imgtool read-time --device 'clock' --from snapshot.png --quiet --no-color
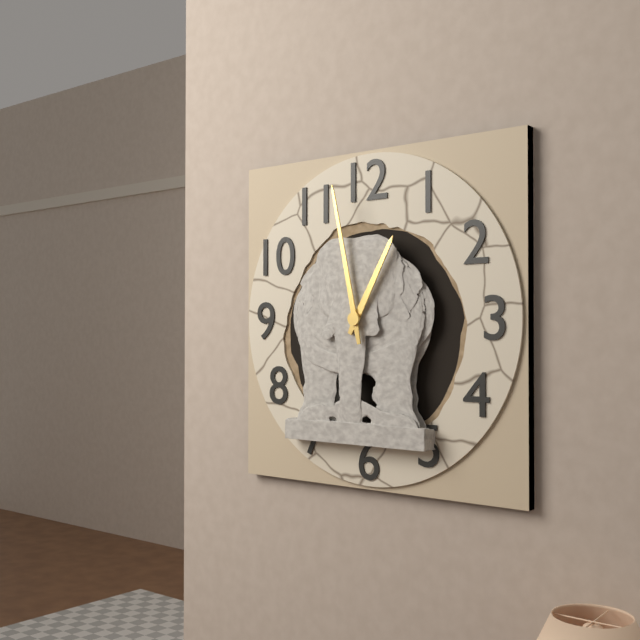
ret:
12:58
